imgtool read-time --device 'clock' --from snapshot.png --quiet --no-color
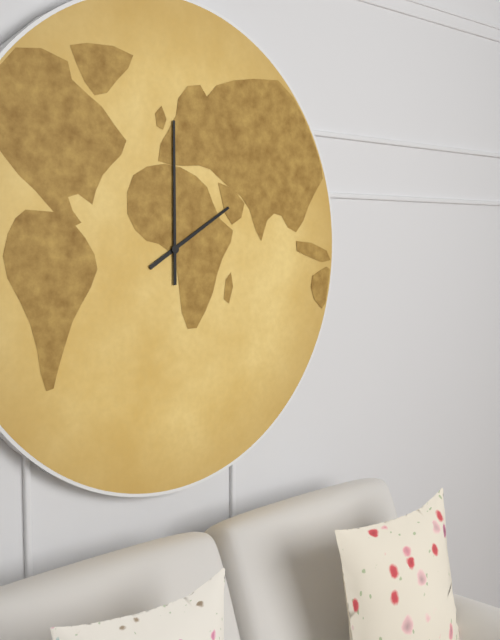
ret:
2:00
